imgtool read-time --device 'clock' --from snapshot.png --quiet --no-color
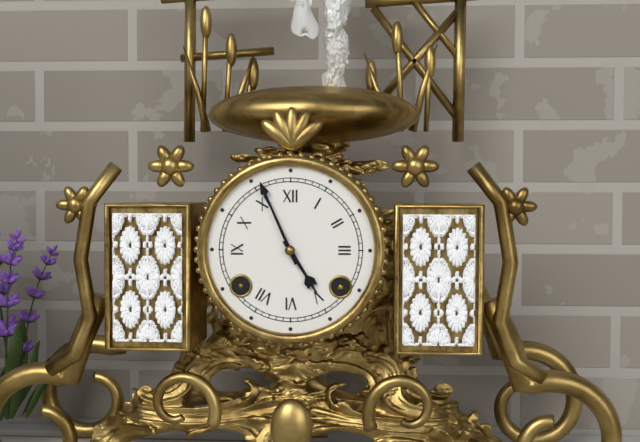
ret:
4:56
